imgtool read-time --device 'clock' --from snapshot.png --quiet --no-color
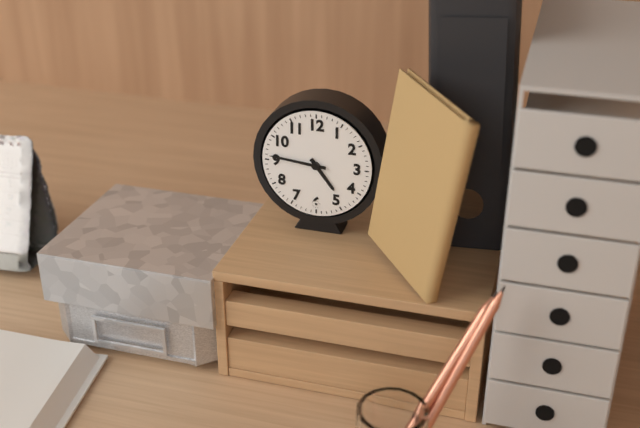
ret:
4:46
